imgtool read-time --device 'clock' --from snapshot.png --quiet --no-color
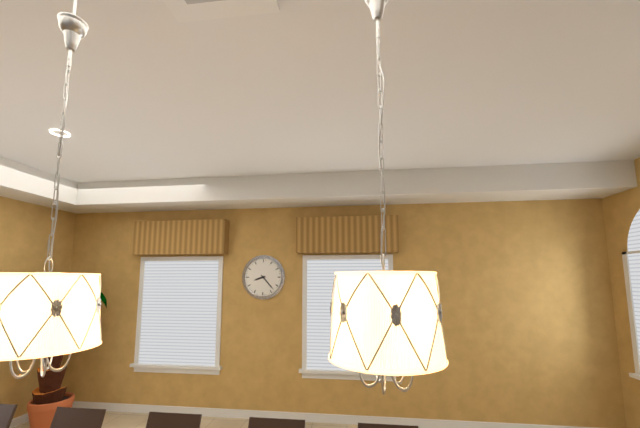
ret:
8:23
